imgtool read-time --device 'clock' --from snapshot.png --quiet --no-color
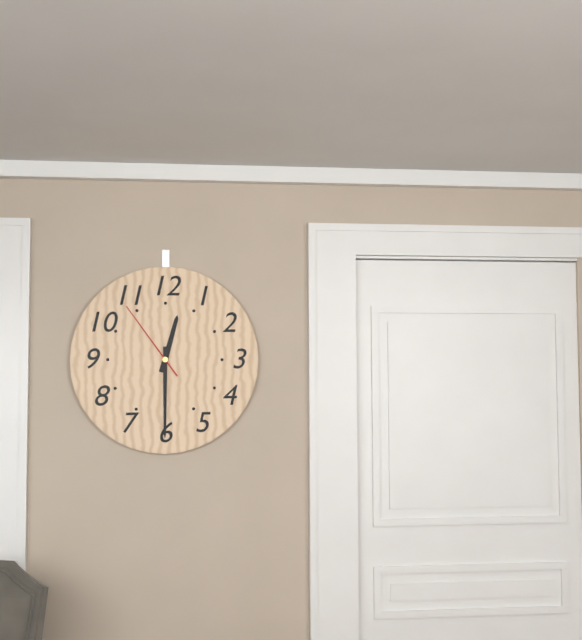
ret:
12:30:54
